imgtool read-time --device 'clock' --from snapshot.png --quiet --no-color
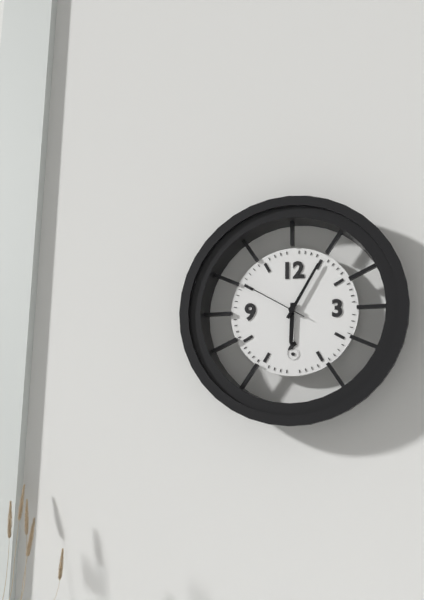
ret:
6:05:50
